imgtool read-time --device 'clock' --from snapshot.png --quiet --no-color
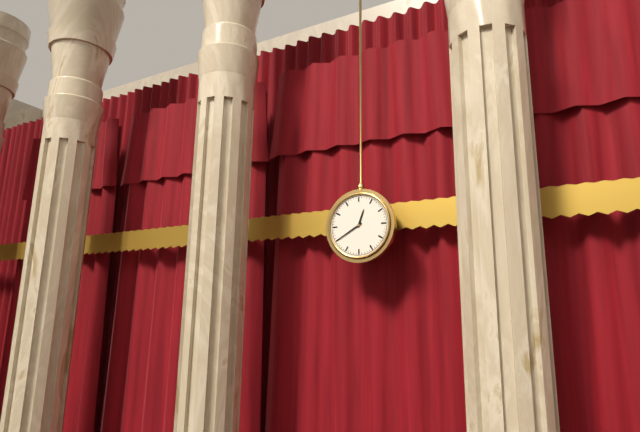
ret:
12:40
